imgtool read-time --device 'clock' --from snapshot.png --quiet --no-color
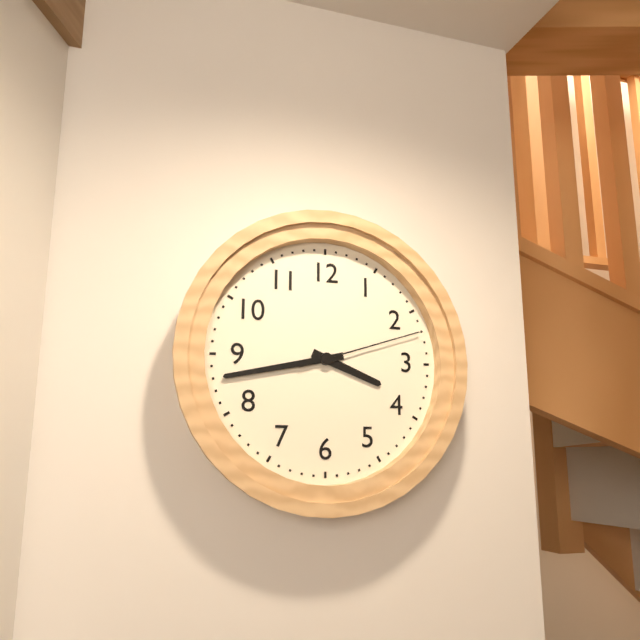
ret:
3:43:12
